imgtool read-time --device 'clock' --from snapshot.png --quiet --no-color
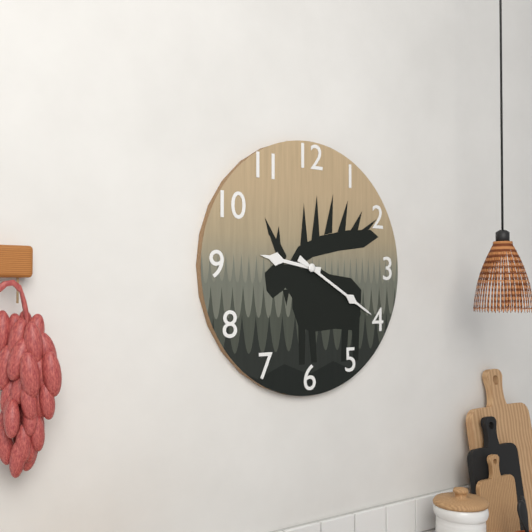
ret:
9:20
